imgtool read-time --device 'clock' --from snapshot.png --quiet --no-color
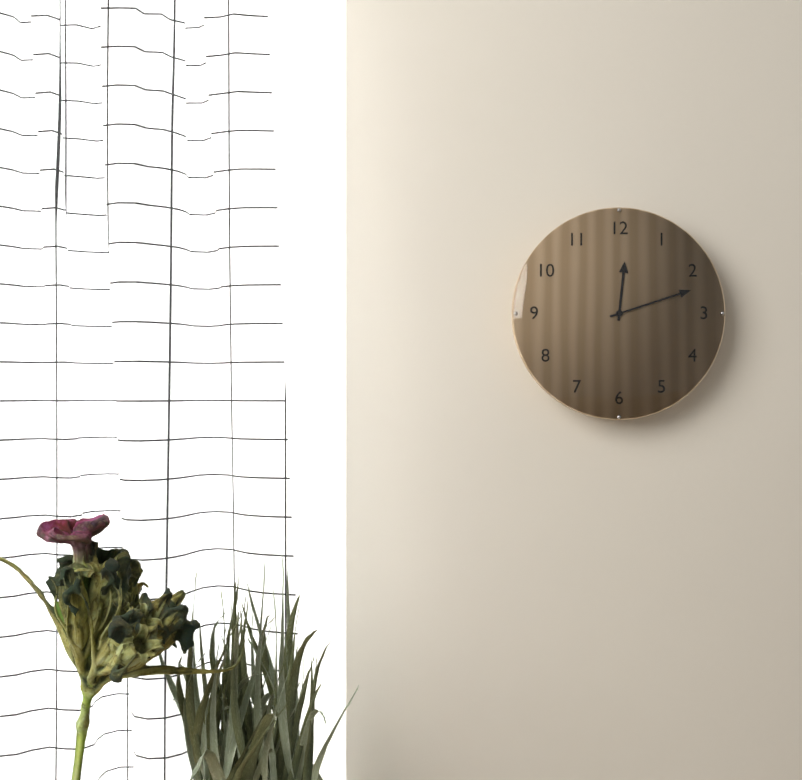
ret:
12:12
